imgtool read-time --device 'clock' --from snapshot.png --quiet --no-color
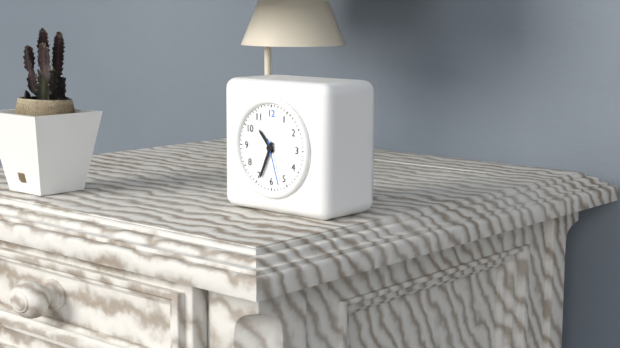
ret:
10:34
